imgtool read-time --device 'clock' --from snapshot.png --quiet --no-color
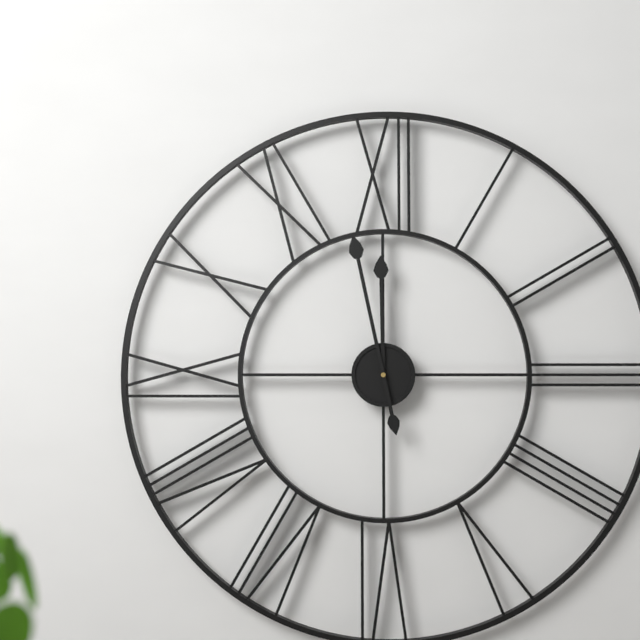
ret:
11:58
